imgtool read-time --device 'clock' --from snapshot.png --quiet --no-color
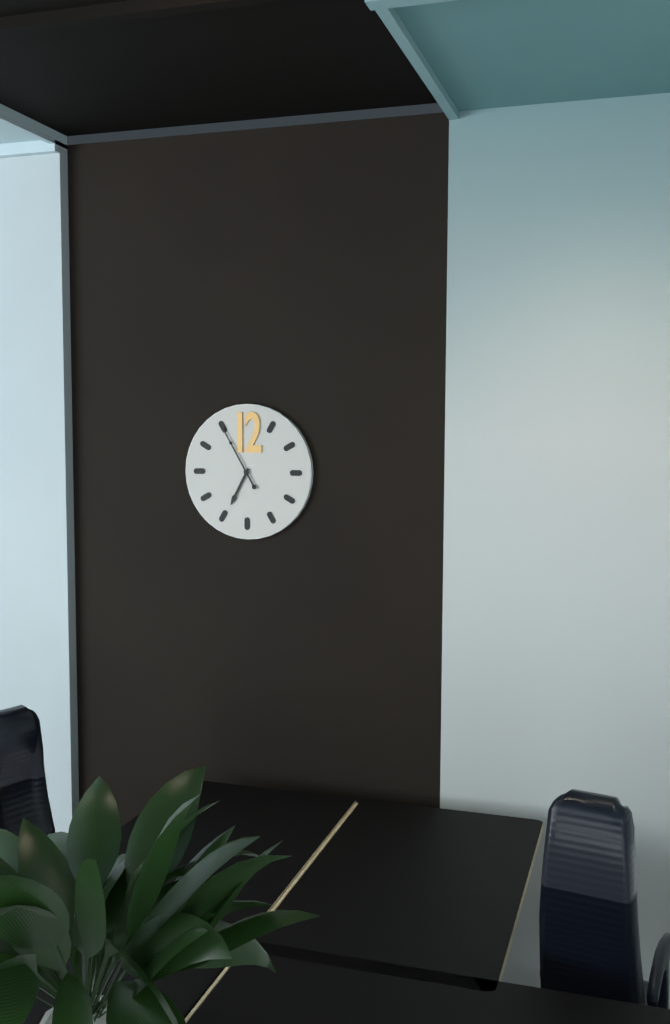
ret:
6:55
